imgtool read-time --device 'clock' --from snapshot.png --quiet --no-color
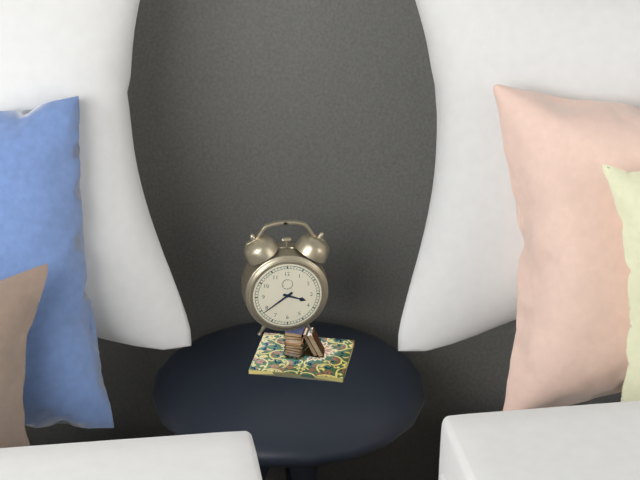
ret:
3:39
